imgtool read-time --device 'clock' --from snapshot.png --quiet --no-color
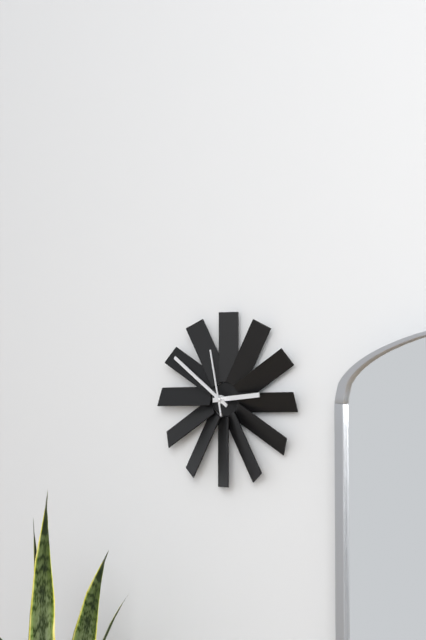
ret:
2:51:58
